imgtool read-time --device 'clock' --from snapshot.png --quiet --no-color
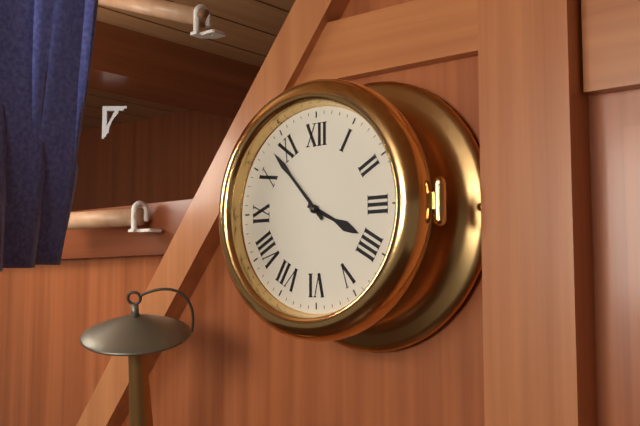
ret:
3:53
